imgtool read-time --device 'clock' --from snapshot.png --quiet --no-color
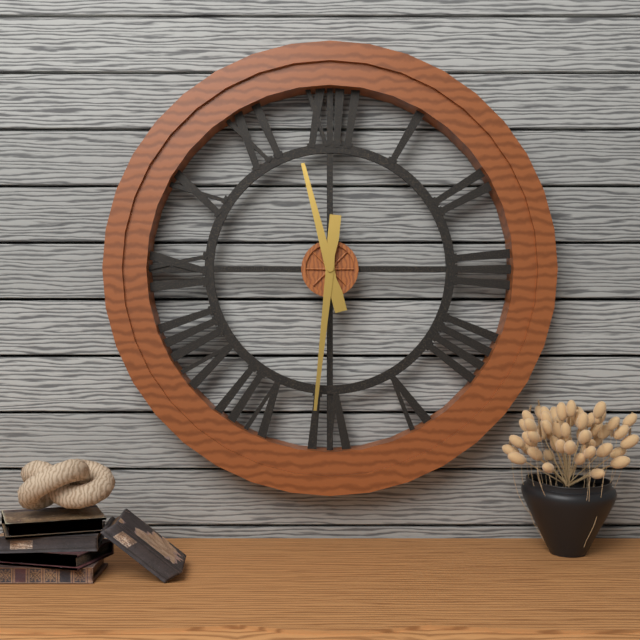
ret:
11:31
